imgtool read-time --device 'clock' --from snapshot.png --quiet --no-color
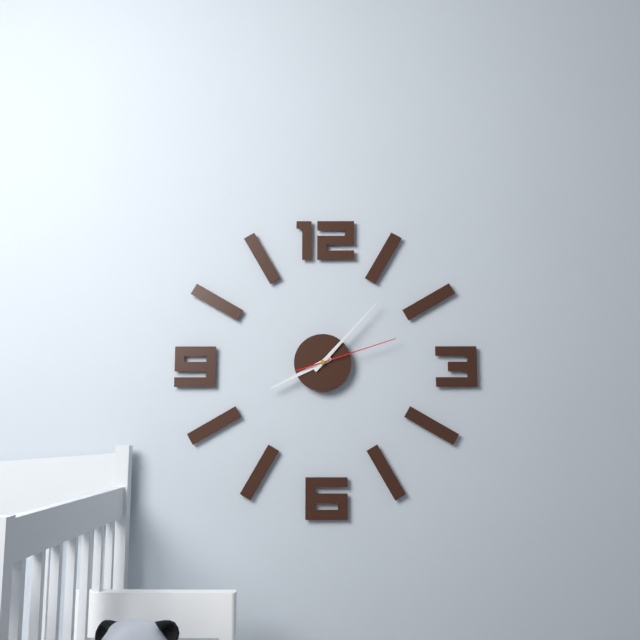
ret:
8:07:12
